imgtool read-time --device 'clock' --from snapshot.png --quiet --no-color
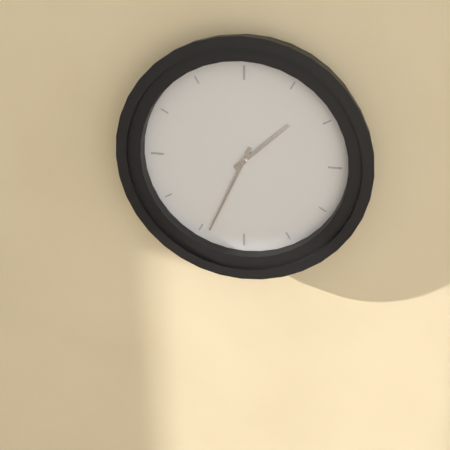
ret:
1:34
